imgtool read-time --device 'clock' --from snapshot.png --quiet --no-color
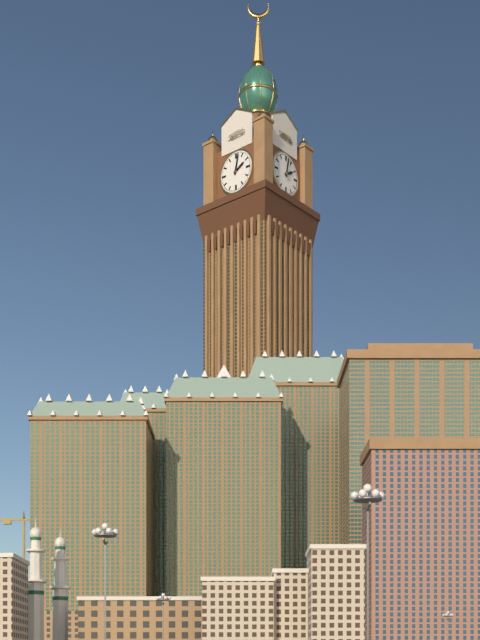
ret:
2:02
